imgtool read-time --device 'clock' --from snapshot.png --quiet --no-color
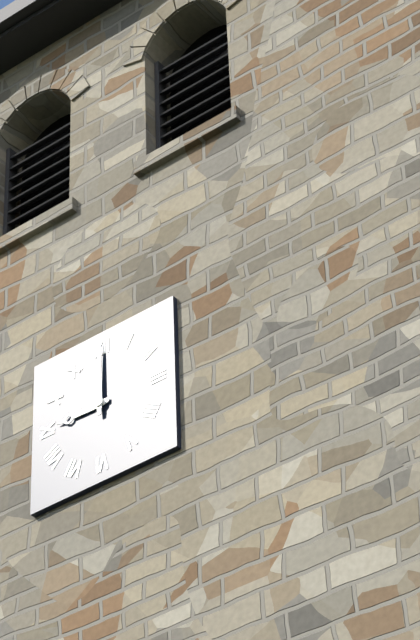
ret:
9:00
